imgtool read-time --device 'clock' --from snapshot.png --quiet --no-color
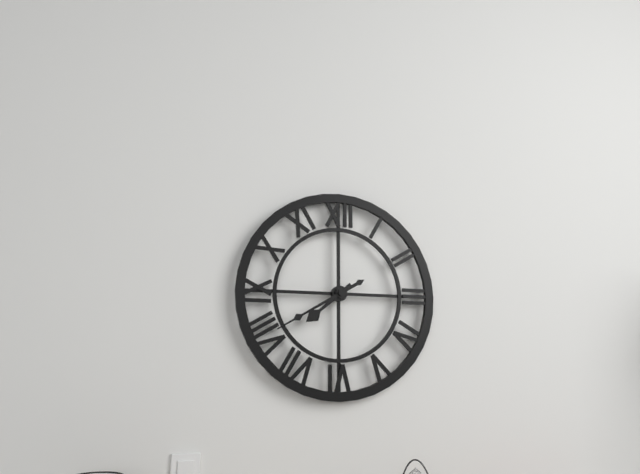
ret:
7:40
